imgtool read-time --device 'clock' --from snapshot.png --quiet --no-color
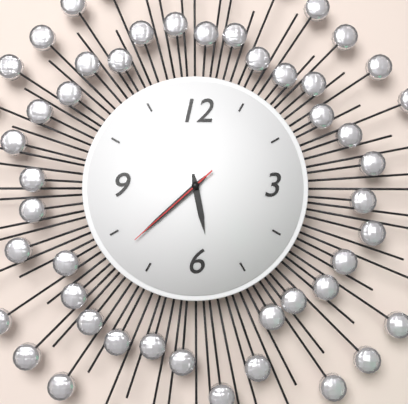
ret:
5:38:38
